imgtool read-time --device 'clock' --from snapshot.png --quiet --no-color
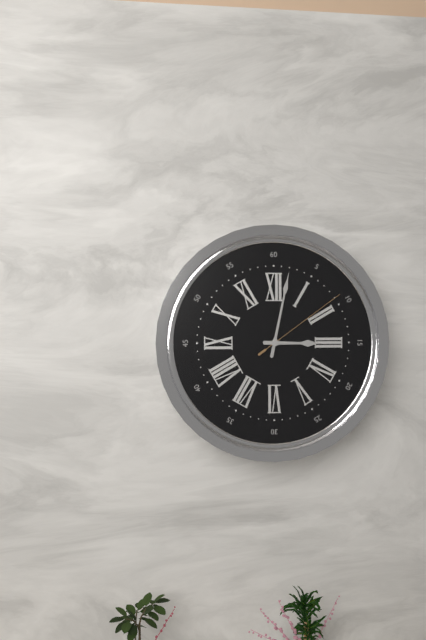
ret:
3:02:09
